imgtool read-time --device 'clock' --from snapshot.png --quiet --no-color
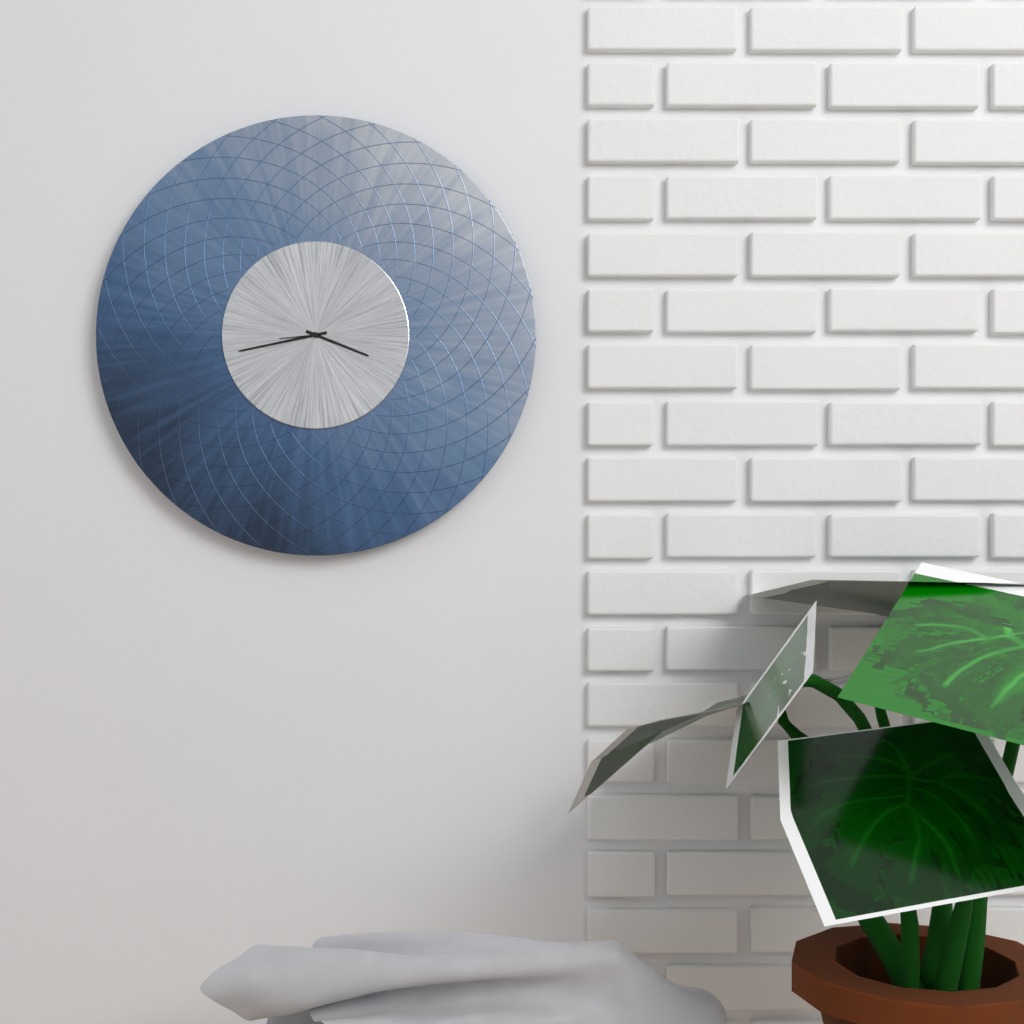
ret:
3:43
